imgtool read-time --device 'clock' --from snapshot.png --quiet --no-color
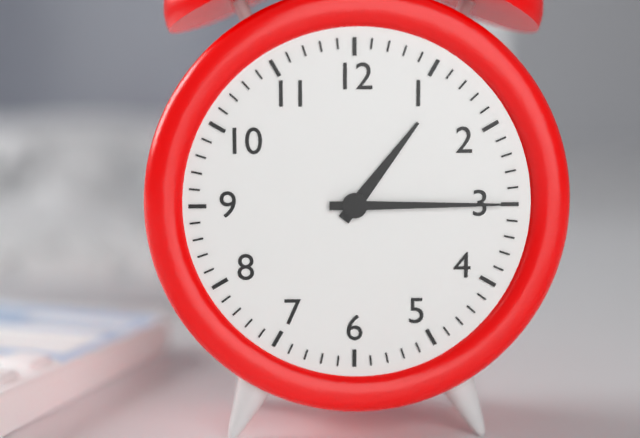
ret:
1:15
